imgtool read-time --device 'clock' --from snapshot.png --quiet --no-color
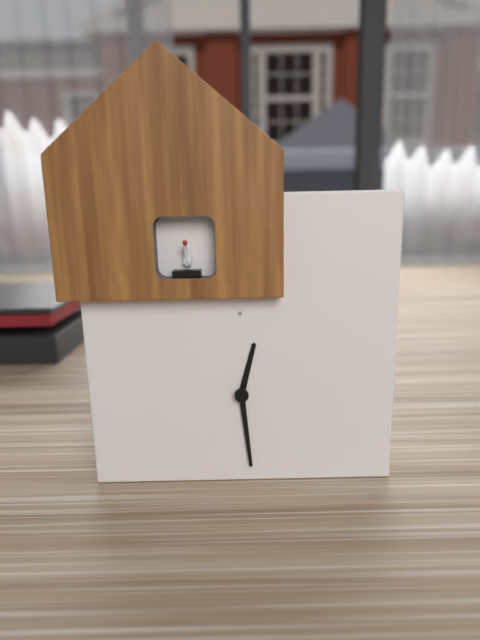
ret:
12:29
